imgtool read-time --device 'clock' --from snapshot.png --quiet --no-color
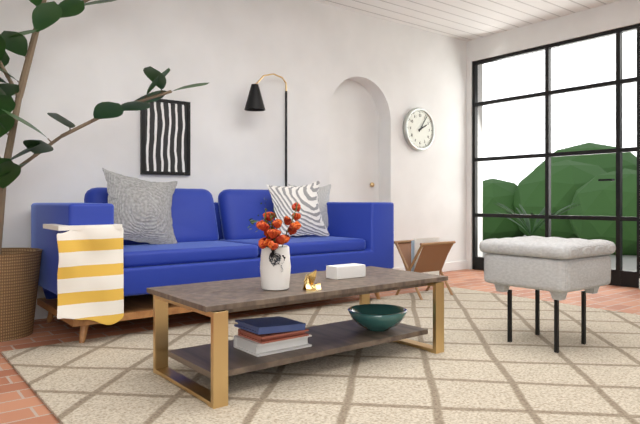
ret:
2:06
